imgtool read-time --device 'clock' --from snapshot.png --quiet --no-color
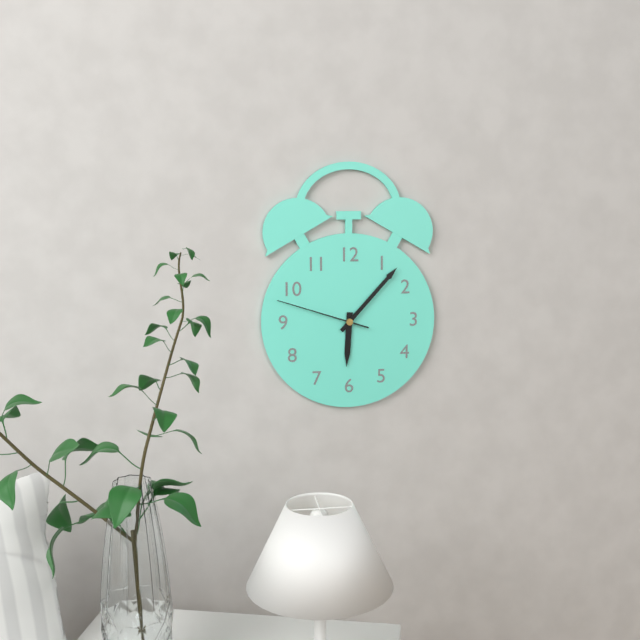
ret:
6:07:48
